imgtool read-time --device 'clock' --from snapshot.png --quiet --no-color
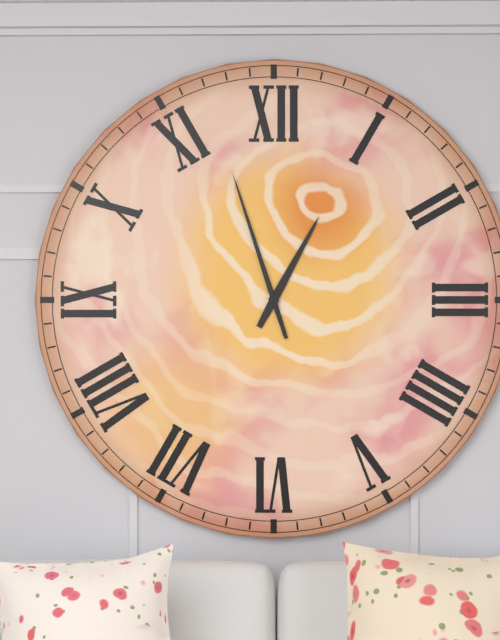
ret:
12:57
